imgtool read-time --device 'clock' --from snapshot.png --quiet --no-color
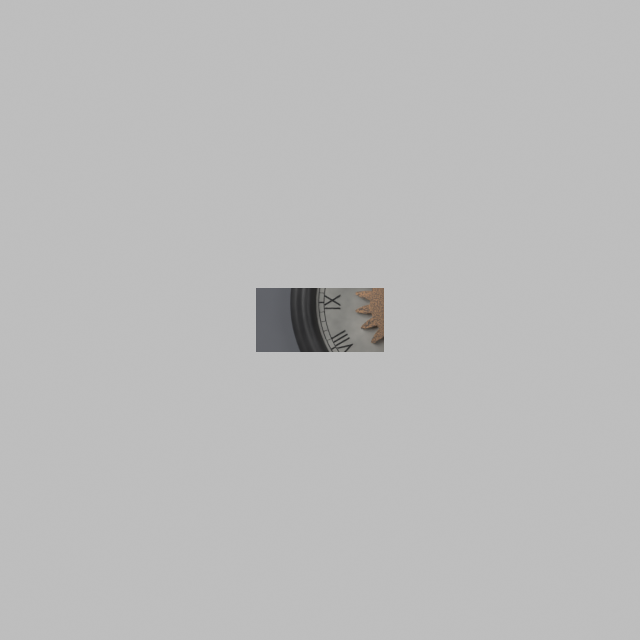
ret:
12:57
